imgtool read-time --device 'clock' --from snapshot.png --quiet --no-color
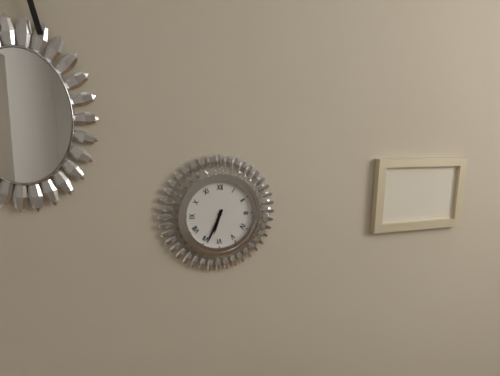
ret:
6:34
